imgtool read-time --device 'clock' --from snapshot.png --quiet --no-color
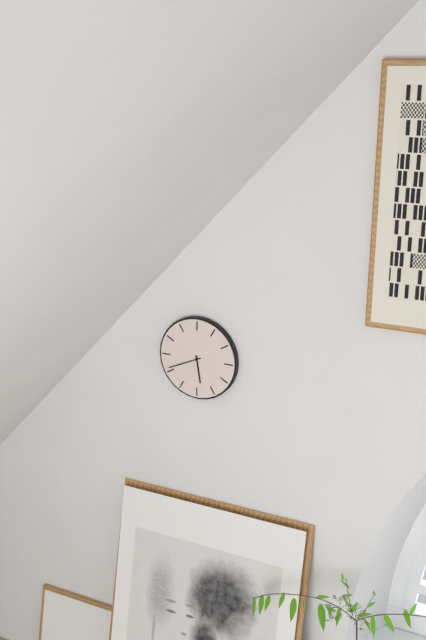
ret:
5:41
